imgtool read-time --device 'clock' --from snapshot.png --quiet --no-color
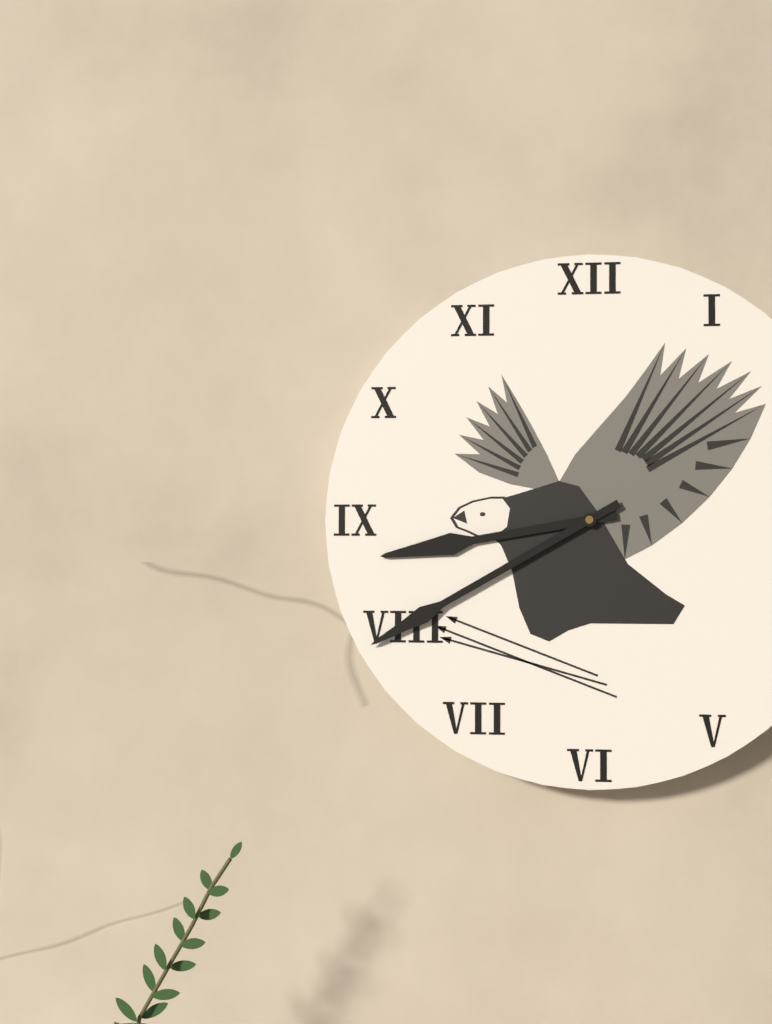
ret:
8:40
